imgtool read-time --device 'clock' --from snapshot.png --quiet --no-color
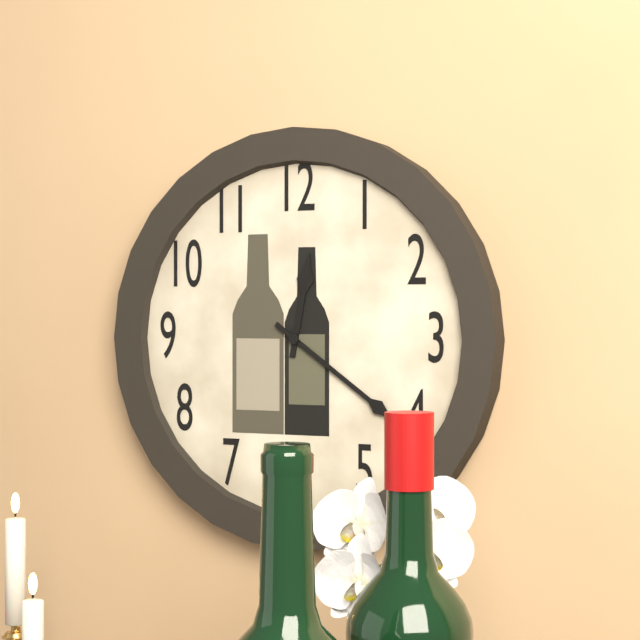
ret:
12:21
